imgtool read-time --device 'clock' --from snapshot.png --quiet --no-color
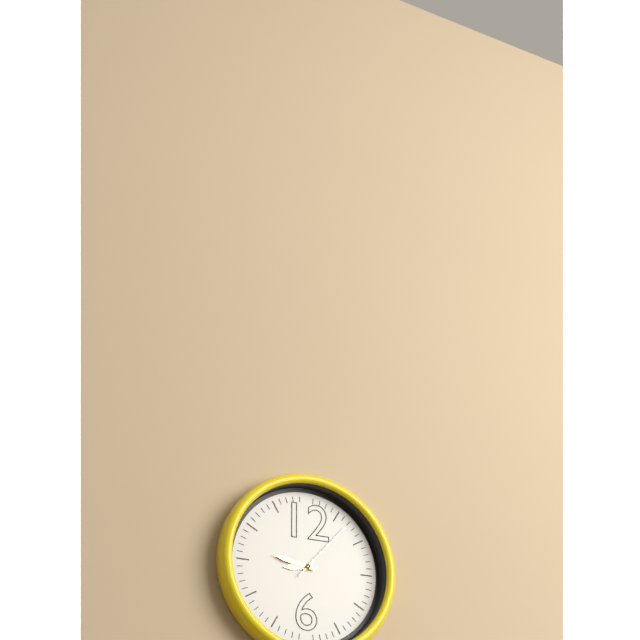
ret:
8:47:07
